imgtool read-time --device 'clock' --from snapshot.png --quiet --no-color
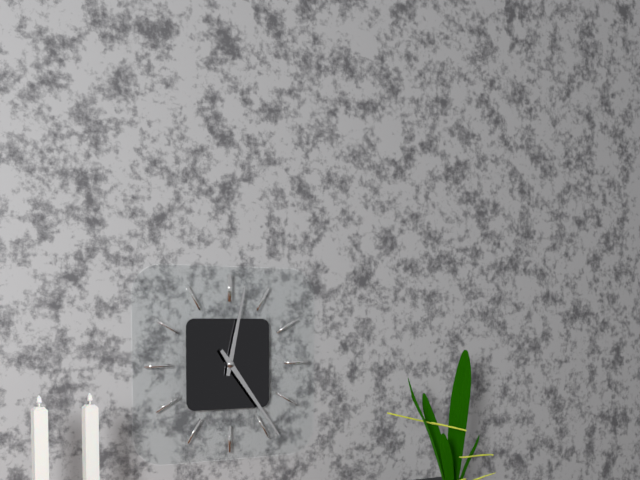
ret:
12:24
